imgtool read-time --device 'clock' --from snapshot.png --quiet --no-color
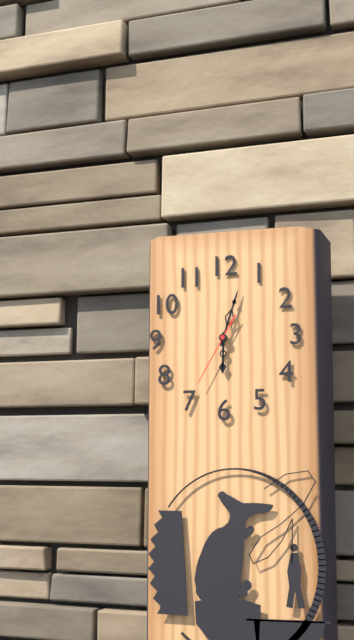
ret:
6:03:35
